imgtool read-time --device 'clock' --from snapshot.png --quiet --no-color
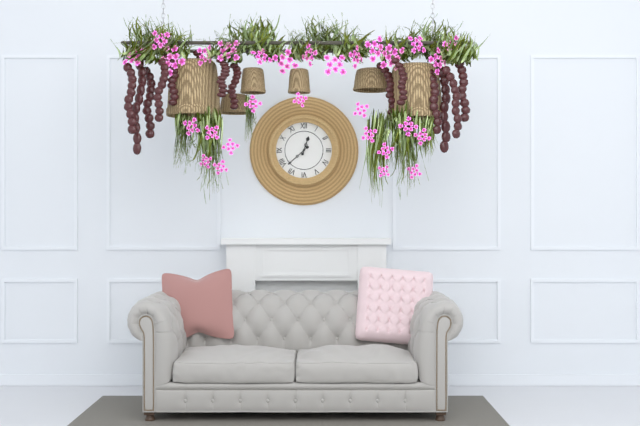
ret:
12:38
